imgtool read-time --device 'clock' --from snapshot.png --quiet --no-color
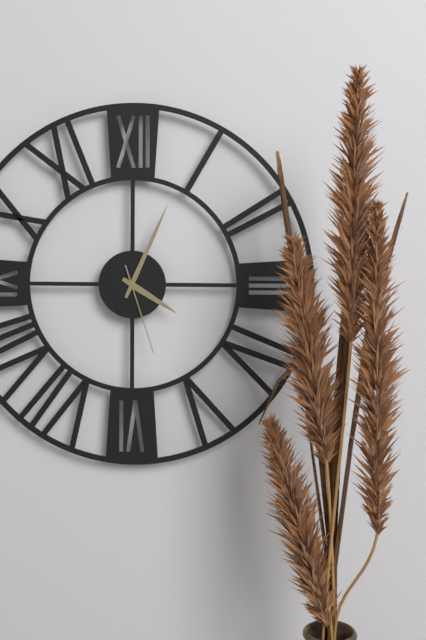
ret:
4:04:27
